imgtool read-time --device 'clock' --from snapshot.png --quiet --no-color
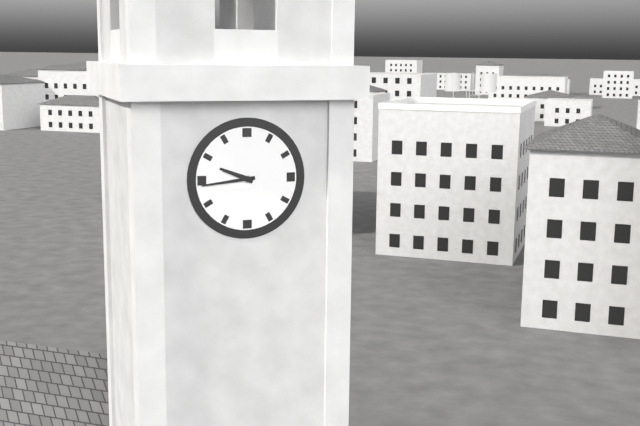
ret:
9:44
